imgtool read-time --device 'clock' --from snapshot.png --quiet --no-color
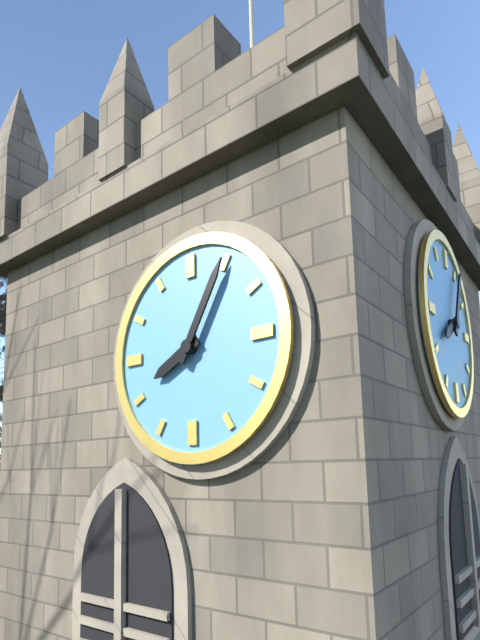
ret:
8:05
